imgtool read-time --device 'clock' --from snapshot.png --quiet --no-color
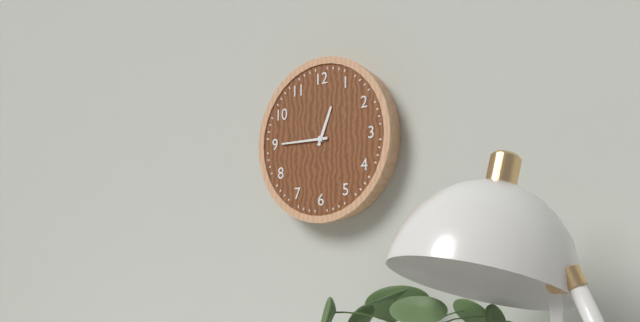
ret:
12:45
